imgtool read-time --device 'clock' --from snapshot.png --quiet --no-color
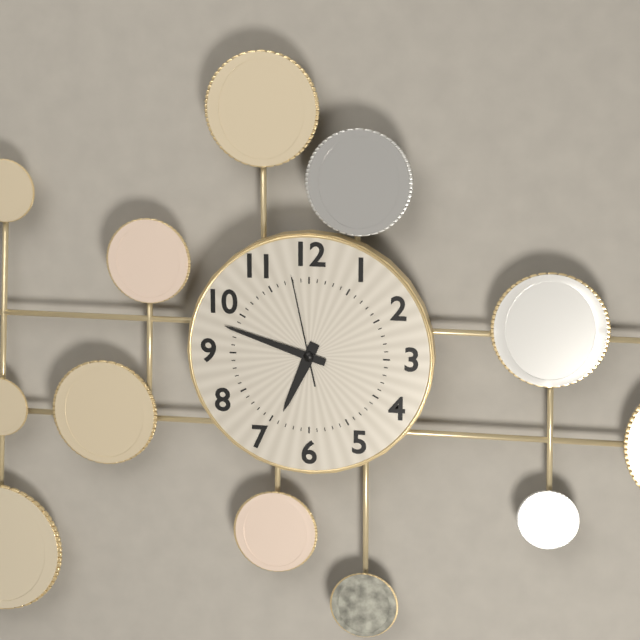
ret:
6:48:58
